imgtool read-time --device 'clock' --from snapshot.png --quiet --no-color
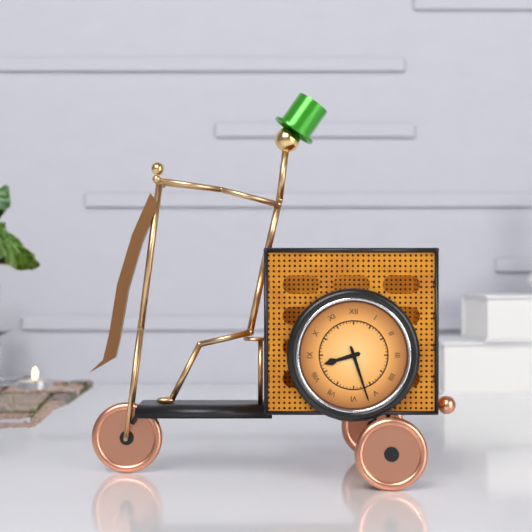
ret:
8:27
